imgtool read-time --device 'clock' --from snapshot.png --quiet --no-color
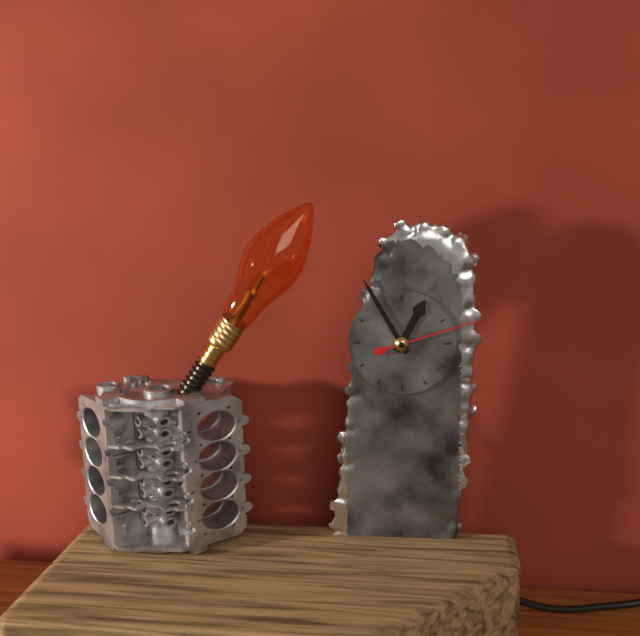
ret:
12:55:12
